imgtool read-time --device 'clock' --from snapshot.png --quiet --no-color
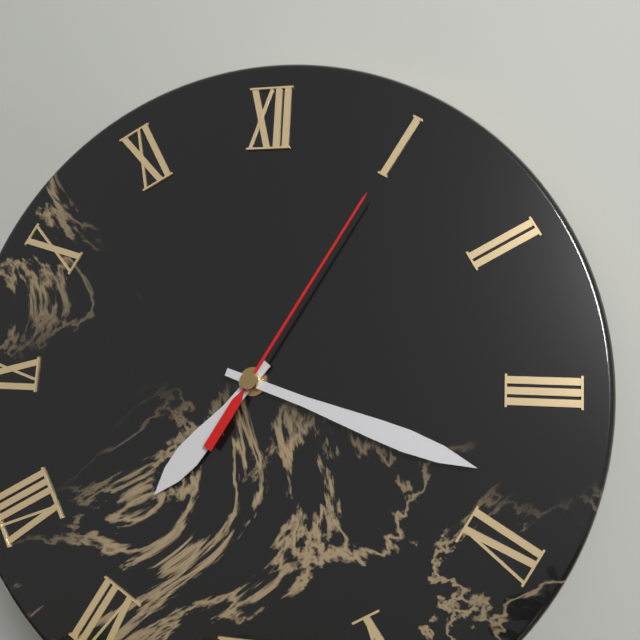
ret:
7:18:05
